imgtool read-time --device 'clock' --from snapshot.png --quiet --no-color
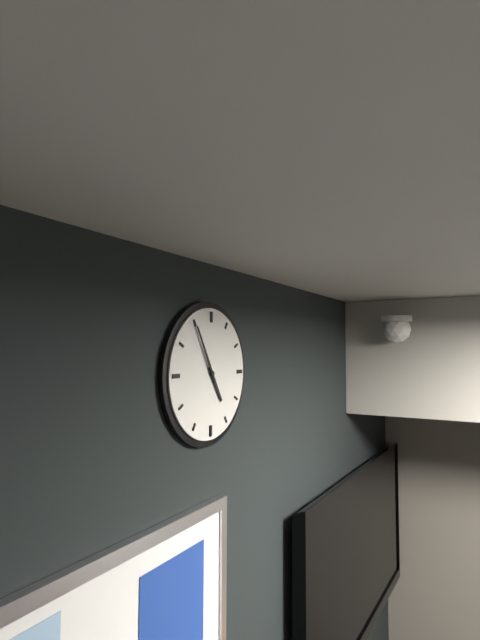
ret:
4:55
